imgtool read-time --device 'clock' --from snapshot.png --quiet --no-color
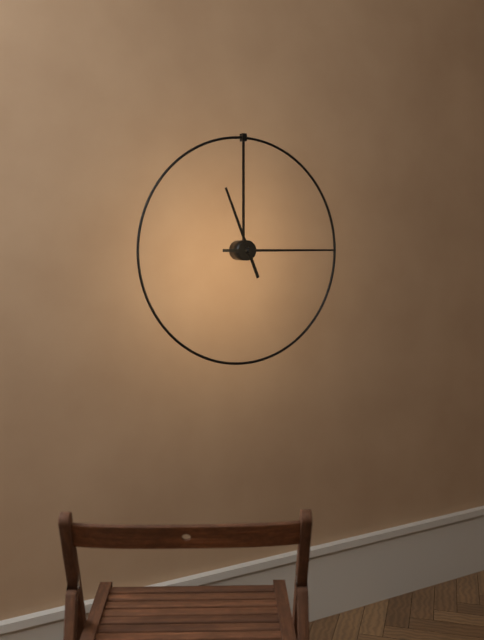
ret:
11:15
